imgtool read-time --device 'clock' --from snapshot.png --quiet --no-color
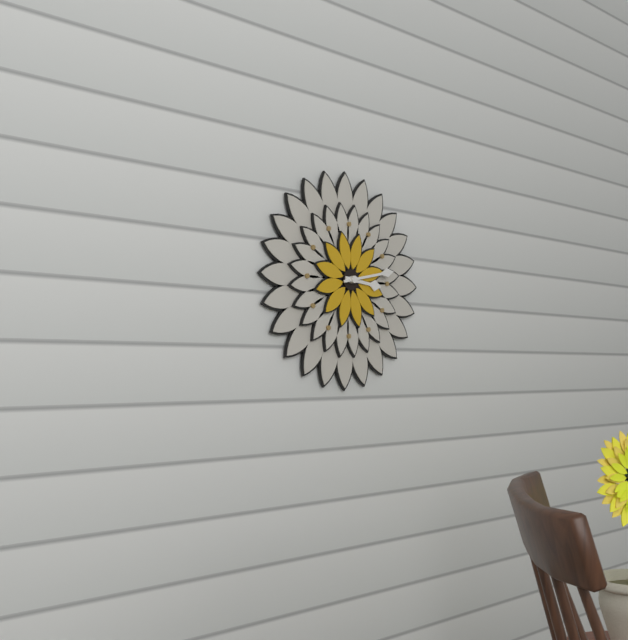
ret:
3:13
